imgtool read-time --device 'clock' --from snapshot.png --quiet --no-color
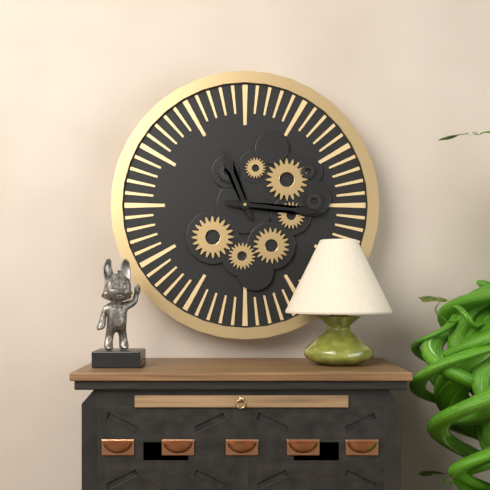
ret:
11:16
